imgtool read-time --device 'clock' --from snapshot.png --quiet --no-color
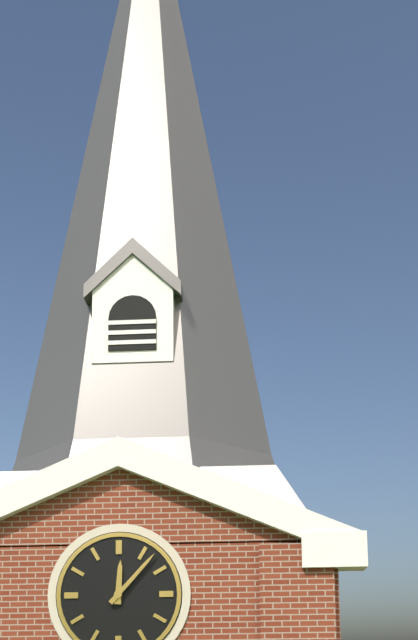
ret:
12:07
